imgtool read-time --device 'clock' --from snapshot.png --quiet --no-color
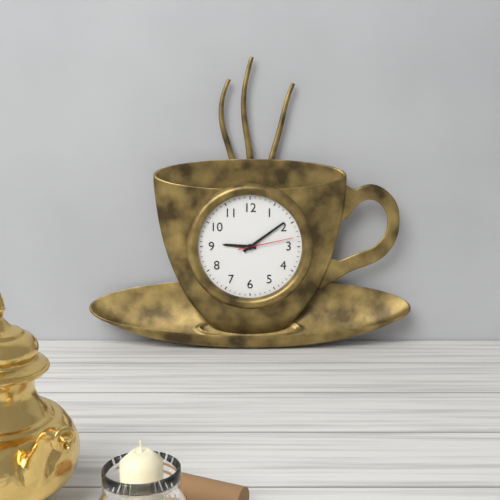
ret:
9:09:13
